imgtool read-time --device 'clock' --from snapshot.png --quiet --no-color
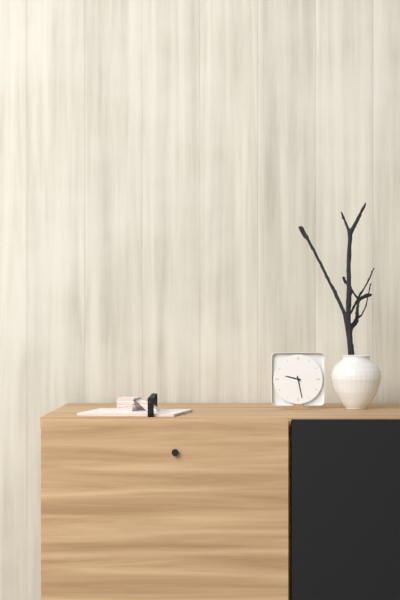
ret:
9:28
